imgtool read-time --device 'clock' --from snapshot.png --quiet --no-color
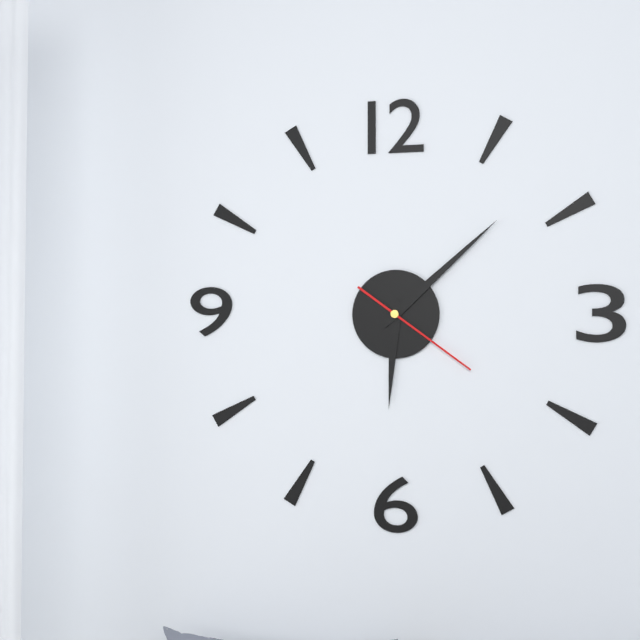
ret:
6:08:21
